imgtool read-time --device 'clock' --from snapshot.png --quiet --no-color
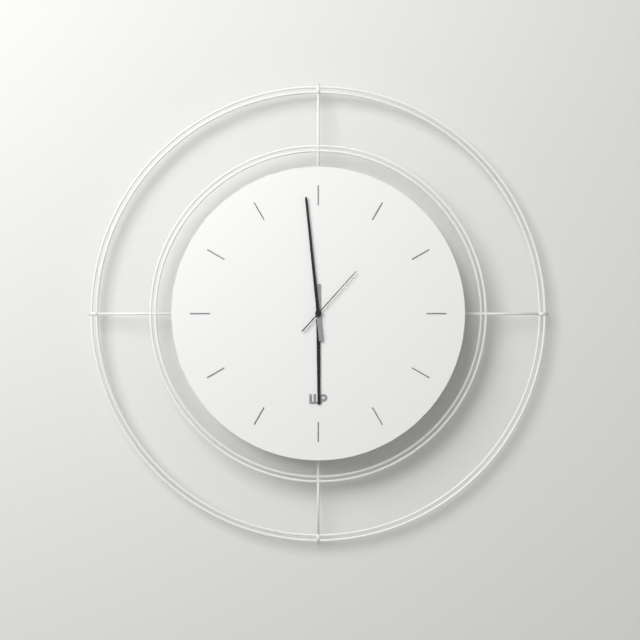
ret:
5:59:07
